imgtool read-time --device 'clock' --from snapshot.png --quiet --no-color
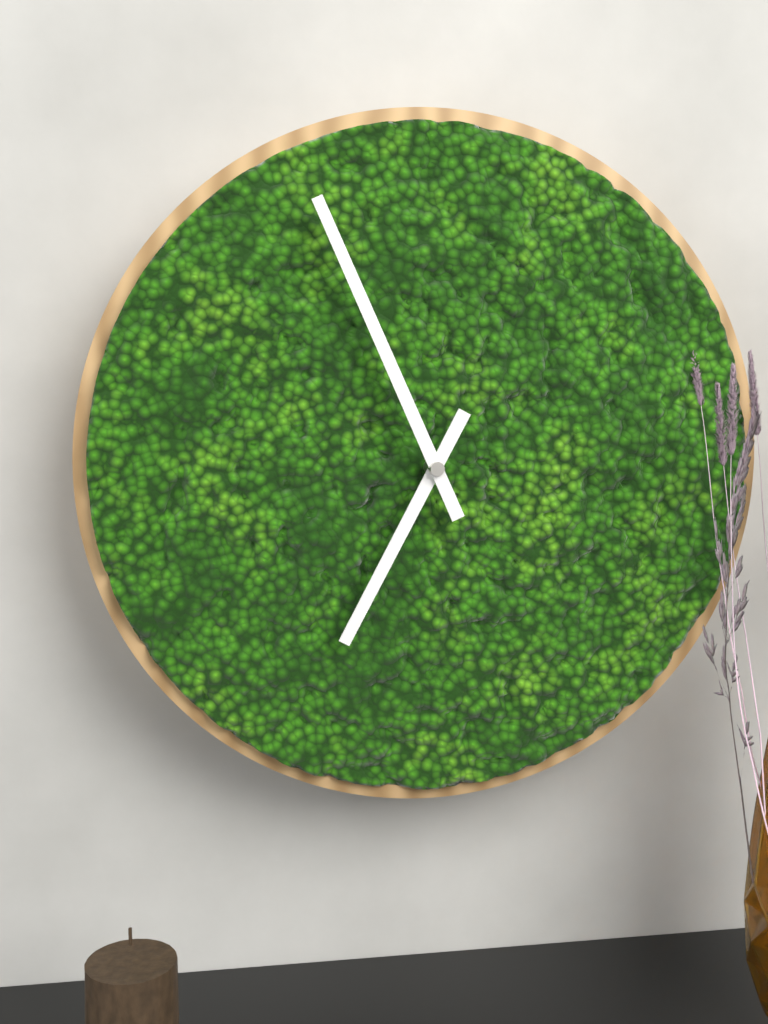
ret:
6:56
